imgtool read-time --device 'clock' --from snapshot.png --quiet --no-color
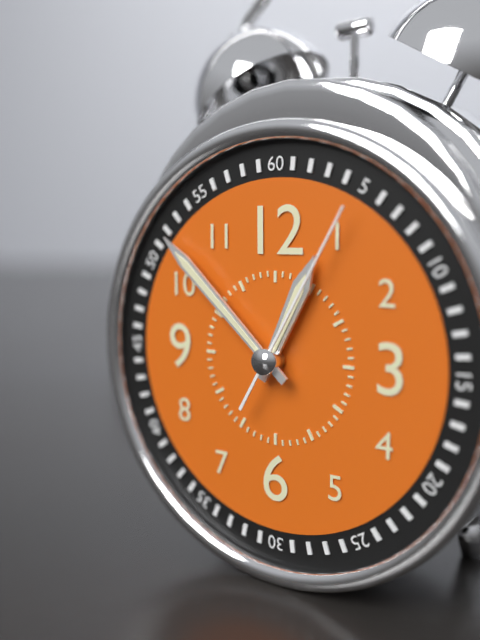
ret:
12:52:05
